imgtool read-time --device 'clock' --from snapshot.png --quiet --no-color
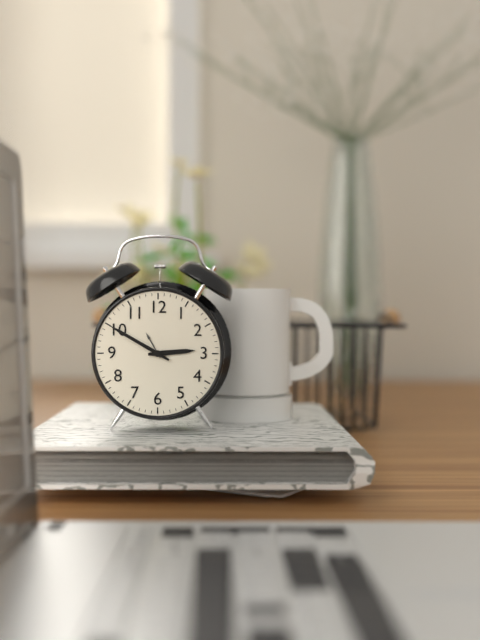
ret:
2:50
